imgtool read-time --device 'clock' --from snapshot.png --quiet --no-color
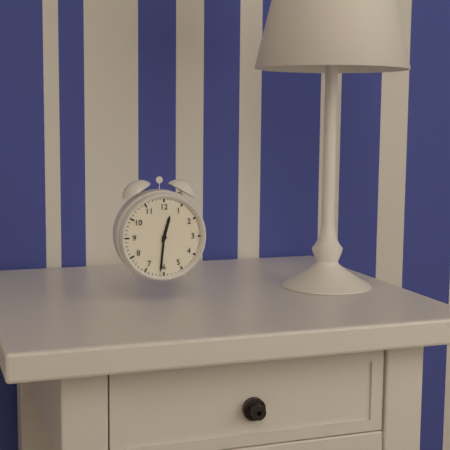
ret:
12:31
